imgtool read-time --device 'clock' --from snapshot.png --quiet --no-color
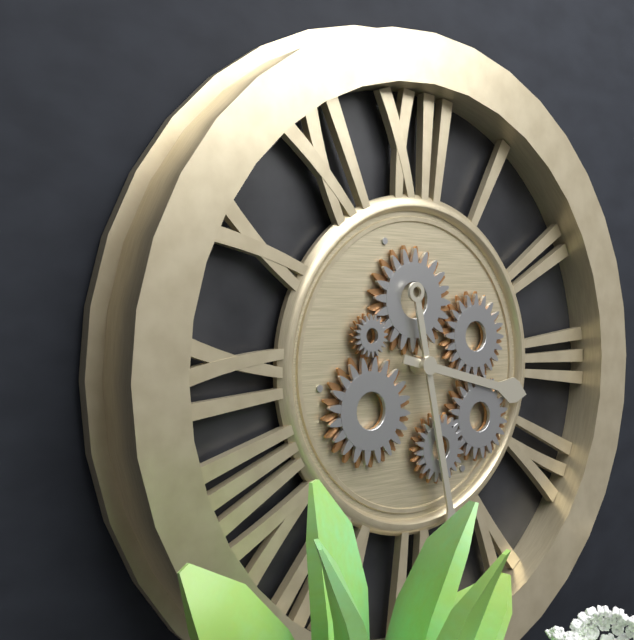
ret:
3:28
